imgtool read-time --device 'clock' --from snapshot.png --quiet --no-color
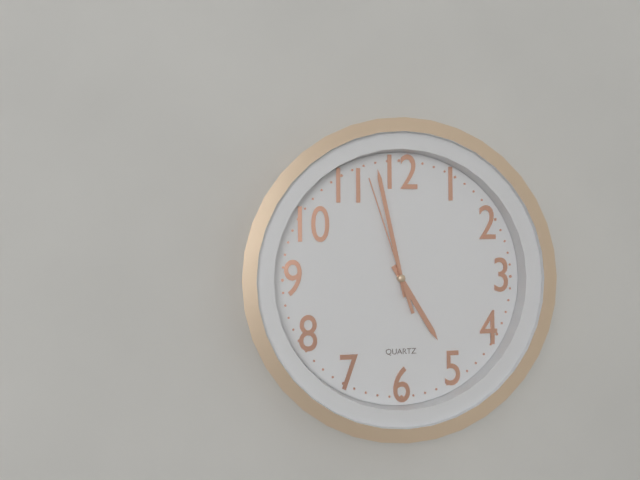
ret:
4:58:57
